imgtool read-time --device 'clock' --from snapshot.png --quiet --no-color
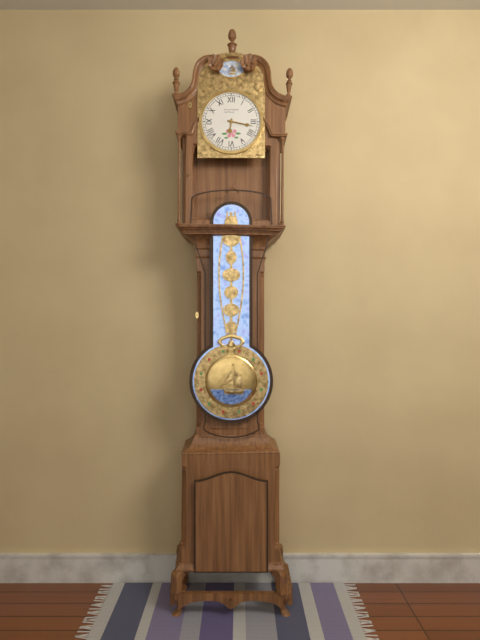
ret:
6:17
